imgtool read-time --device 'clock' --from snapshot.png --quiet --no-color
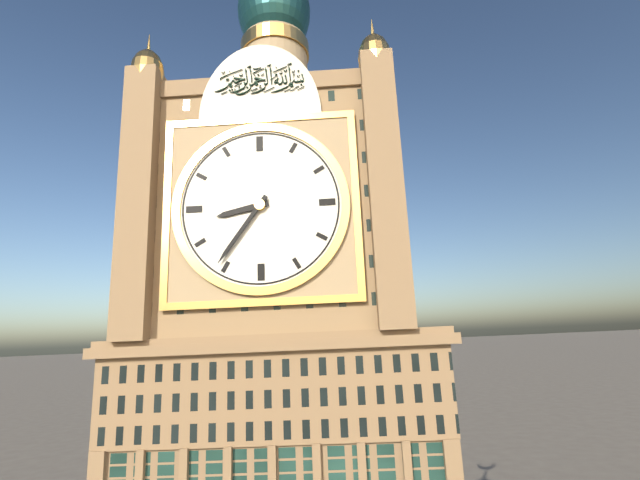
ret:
8:36
